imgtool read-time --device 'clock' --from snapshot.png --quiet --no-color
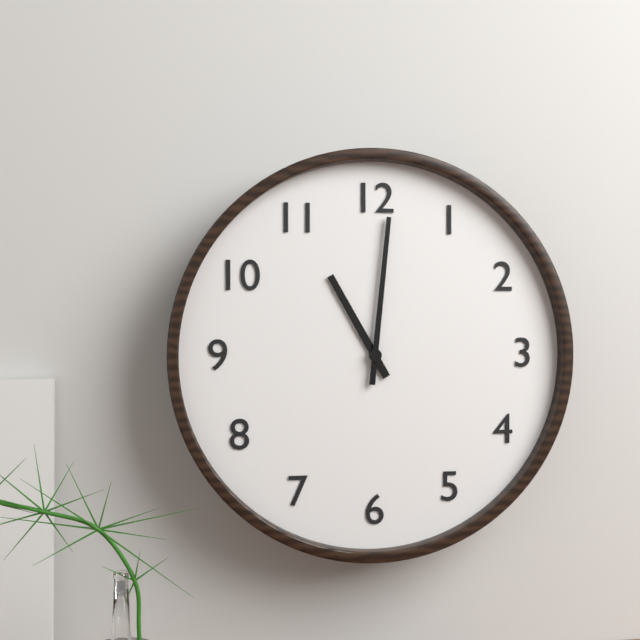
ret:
11:01
